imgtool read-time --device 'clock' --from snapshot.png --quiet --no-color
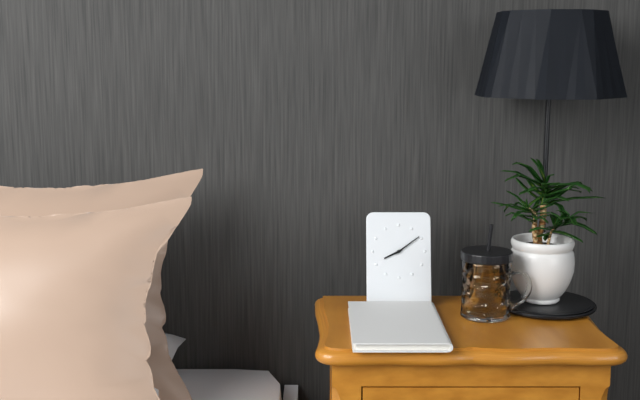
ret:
8:09
